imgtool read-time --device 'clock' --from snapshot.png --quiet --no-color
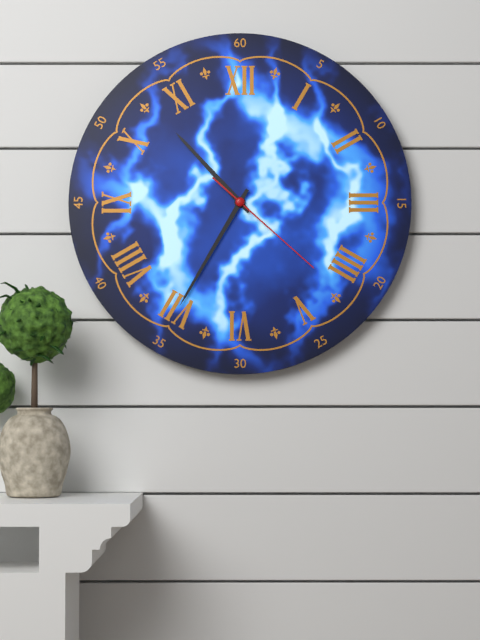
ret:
10:35:22
